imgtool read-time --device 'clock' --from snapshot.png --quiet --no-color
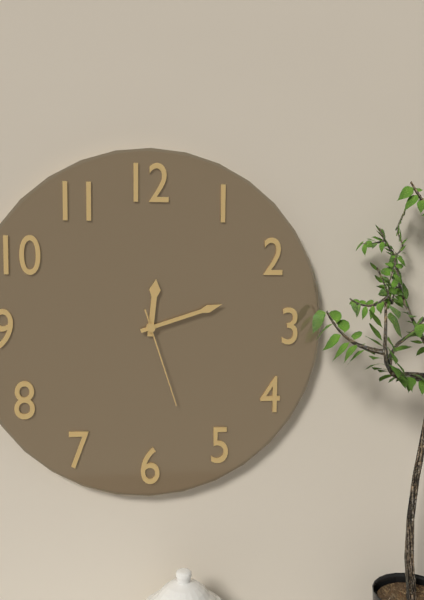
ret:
12:12:27
